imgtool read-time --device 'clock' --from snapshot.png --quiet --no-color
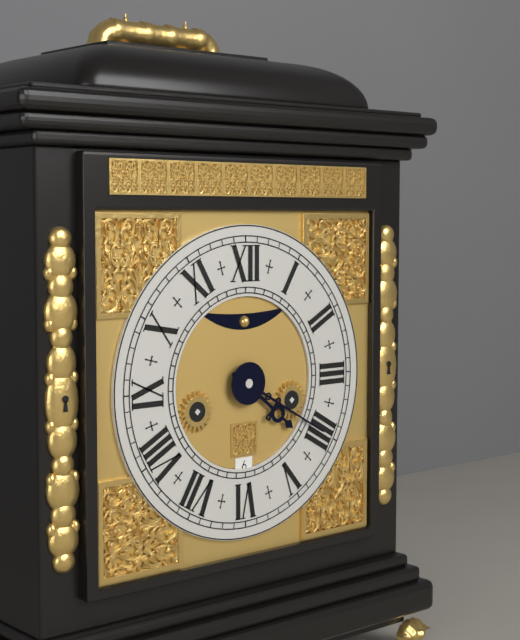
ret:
4:20
